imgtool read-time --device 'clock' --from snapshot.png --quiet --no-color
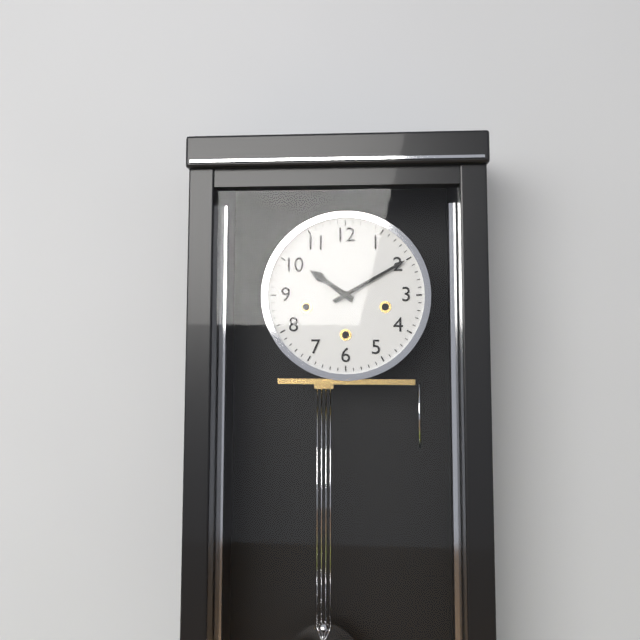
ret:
10:10
